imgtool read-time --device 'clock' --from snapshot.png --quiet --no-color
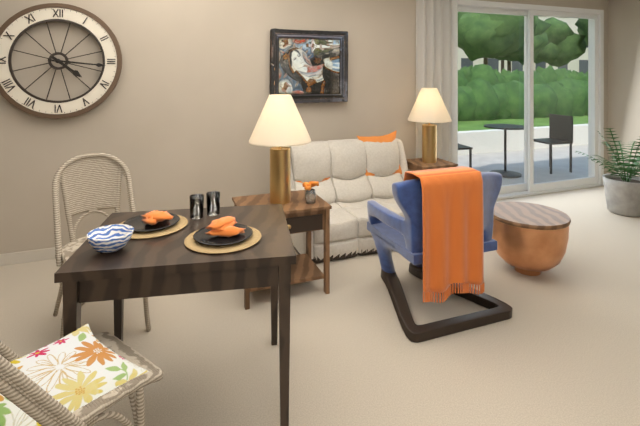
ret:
4:16
